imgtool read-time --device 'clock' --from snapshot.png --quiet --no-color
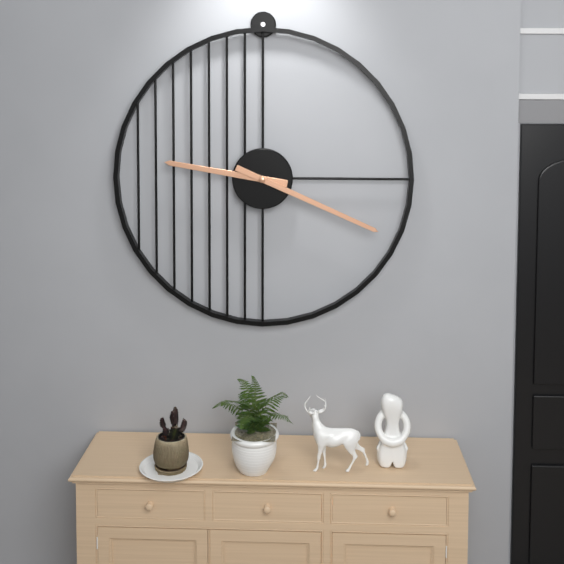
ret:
9:19
